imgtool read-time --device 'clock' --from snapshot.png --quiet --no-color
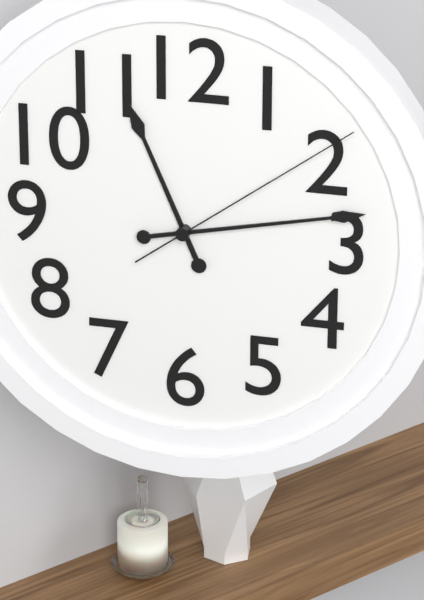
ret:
11:13:09
